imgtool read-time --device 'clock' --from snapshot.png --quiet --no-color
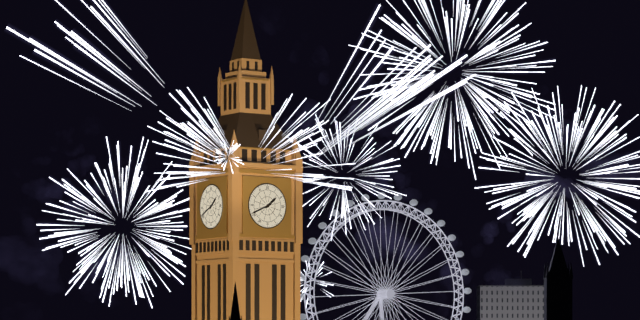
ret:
1:41
